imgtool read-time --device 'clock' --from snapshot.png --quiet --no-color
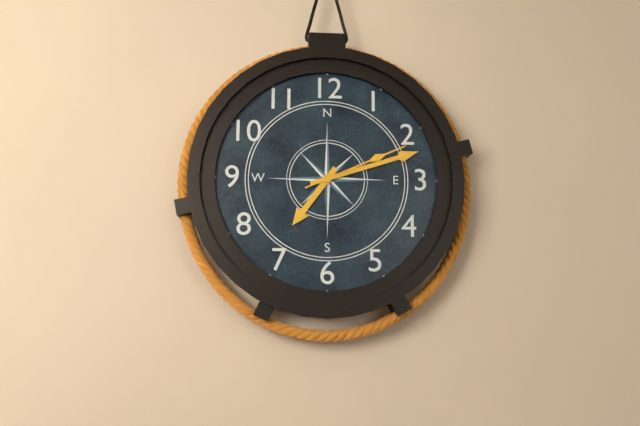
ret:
7:12:11
